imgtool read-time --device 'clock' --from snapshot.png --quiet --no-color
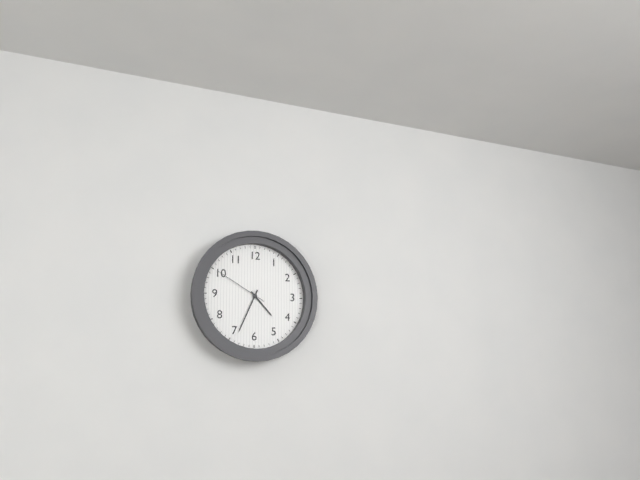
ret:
4:34:50
